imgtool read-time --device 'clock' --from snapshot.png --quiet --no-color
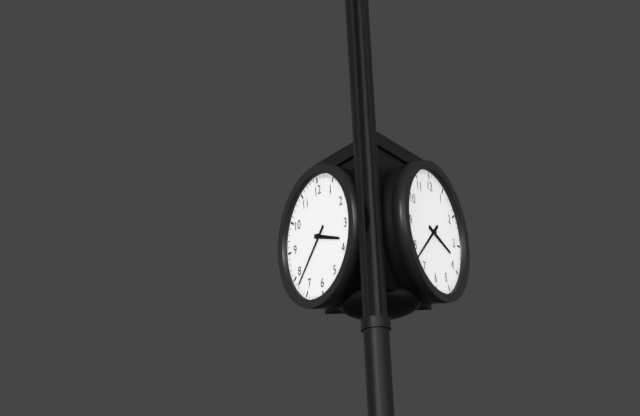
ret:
3:38
